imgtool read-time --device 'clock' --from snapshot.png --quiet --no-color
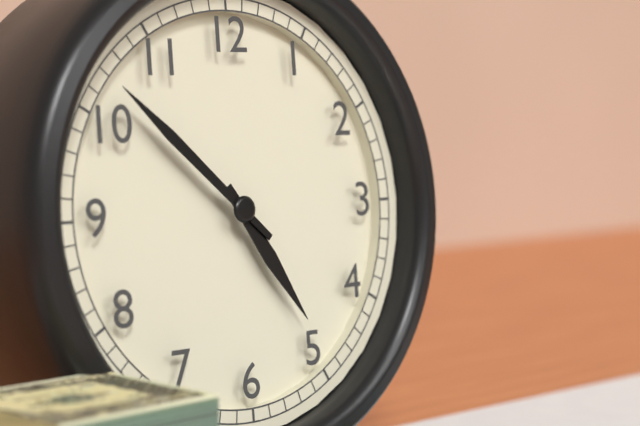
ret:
4:52
